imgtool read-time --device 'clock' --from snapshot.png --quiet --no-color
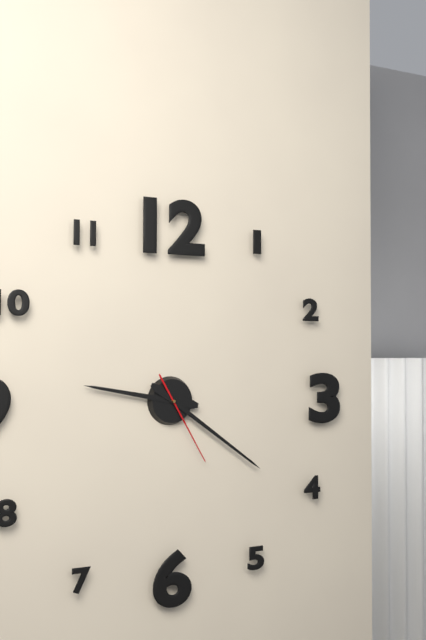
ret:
9:21:25
